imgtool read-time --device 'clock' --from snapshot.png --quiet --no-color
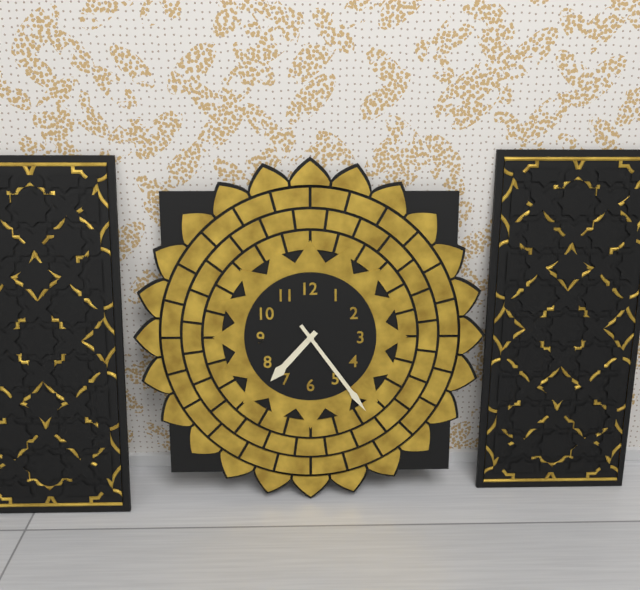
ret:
7:24
